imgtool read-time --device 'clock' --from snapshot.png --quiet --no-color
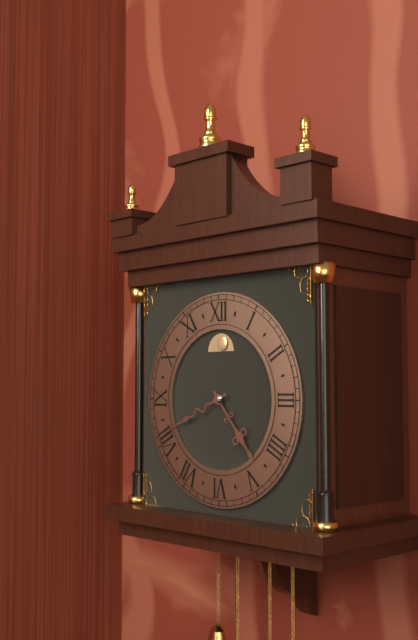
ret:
4:41
